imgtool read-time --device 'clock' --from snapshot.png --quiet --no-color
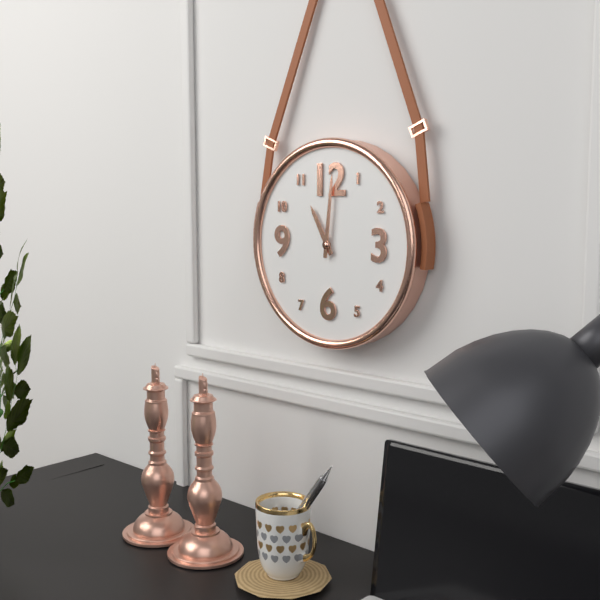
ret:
11:01
